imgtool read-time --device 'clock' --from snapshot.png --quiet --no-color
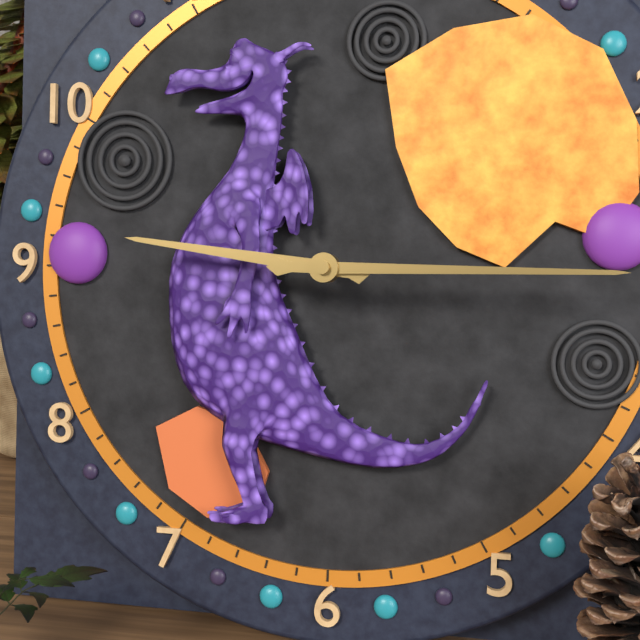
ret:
9:15
